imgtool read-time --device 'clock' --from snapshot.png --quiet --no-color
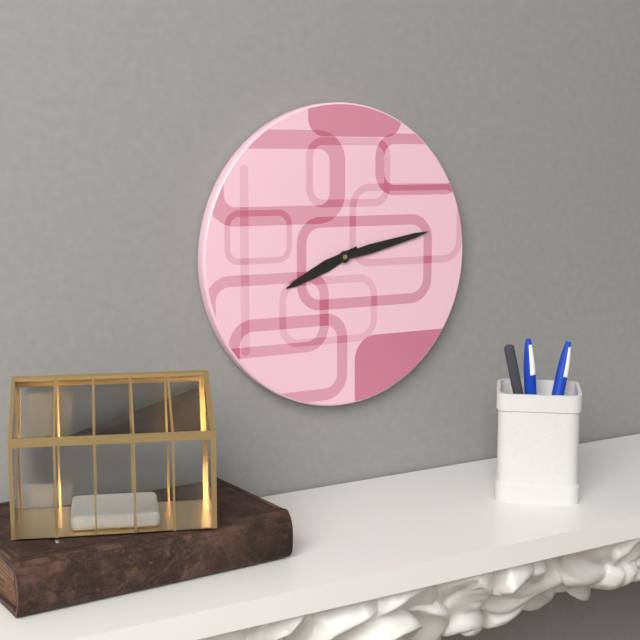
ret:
8:13
